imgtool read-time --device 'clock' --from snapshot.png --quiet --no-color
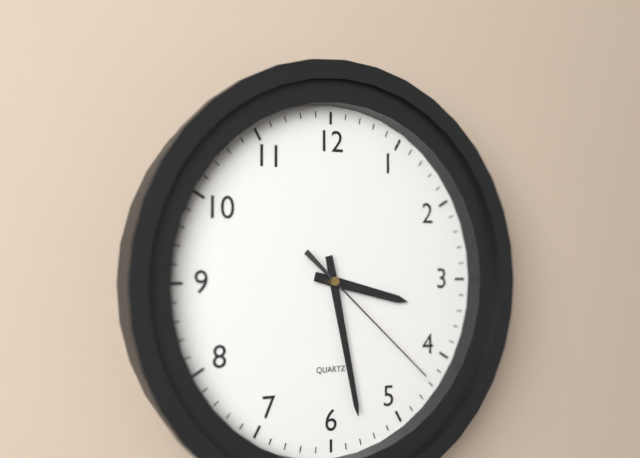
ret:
3:28:22
